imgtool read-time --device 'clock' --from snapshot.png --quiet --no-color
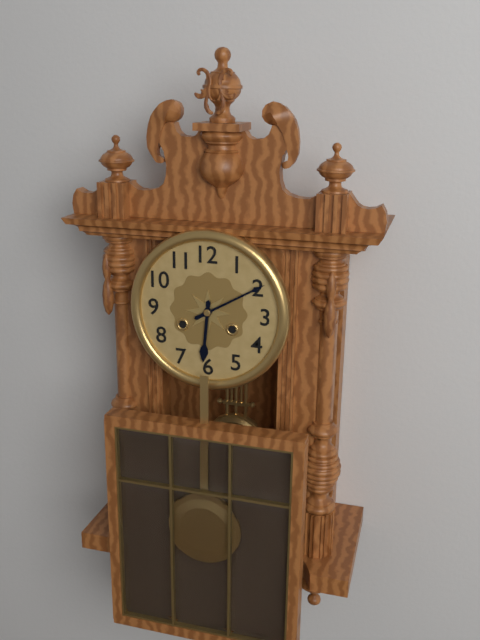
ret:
6:10
